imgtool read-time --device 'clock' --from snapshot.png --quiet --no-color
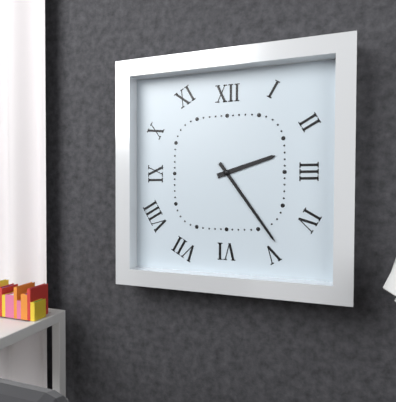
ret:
2:24
